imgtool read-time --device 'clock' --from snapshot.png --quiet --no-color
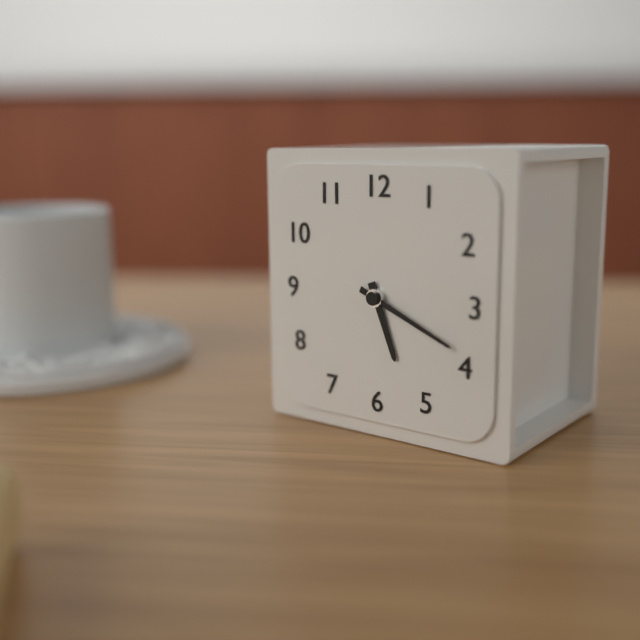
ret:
5:19
